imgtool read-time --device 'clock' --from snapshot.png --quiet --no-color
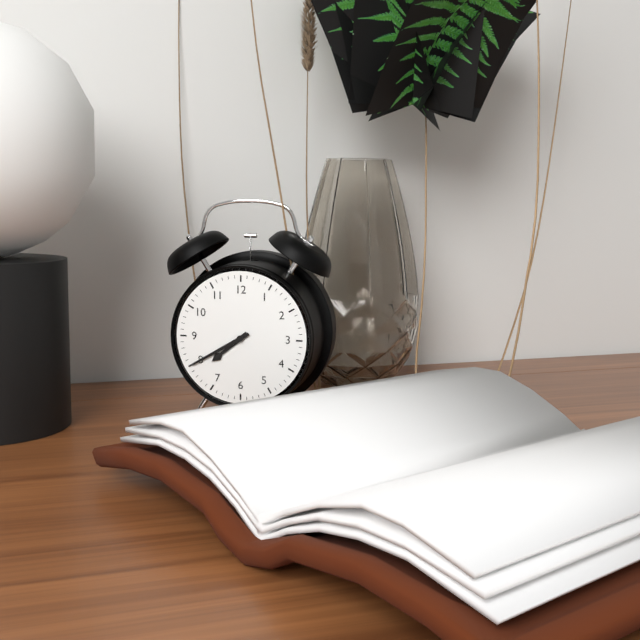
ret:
7:40
